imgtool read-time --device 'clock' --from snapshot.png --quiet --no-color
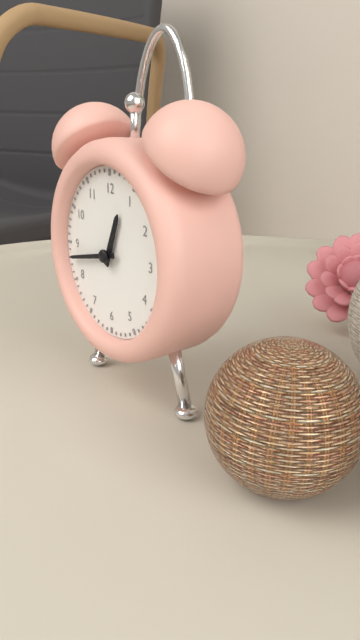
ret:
12:43
